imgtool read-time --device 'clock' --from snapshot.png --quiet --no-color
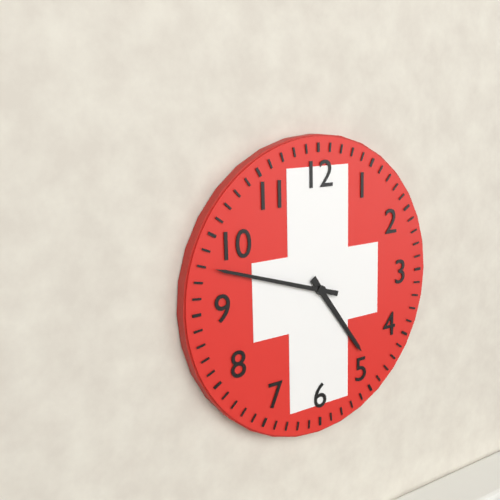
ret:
4:48
